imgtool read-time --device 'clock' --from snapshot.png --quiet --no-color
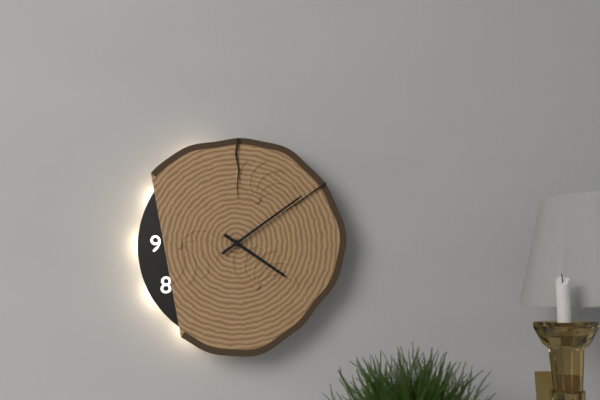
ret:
4:09
